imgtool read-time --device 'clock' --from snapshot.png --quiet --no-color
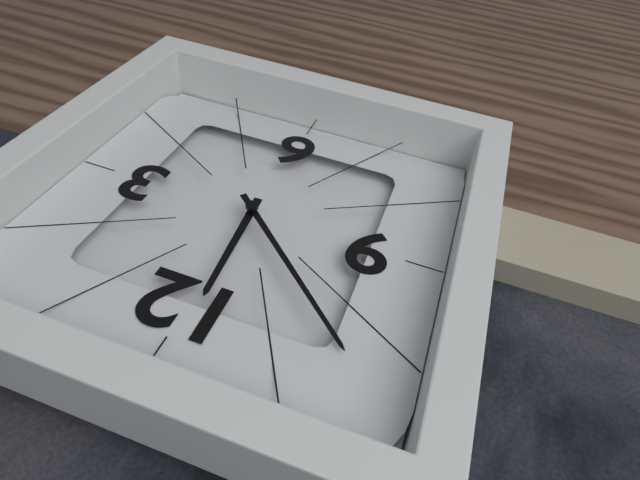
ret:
11:52
